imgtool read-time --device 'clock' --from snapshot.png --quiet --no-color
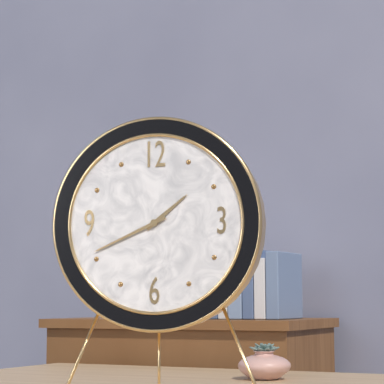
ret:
1:41
